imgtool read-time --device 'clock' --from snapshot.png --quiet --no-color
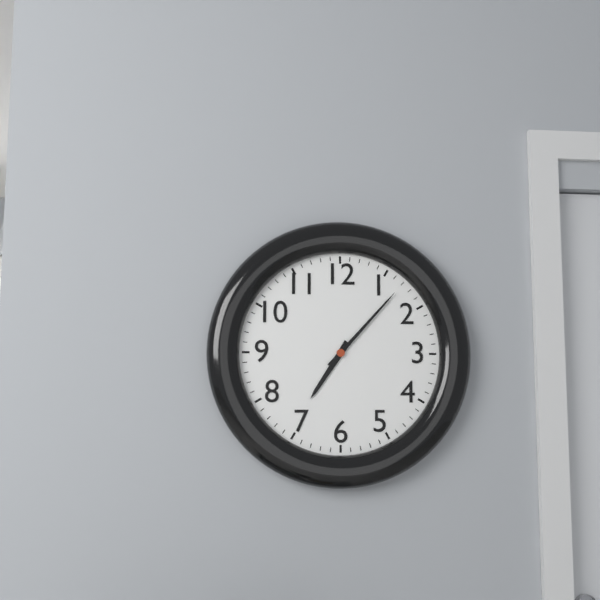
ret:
7:07
